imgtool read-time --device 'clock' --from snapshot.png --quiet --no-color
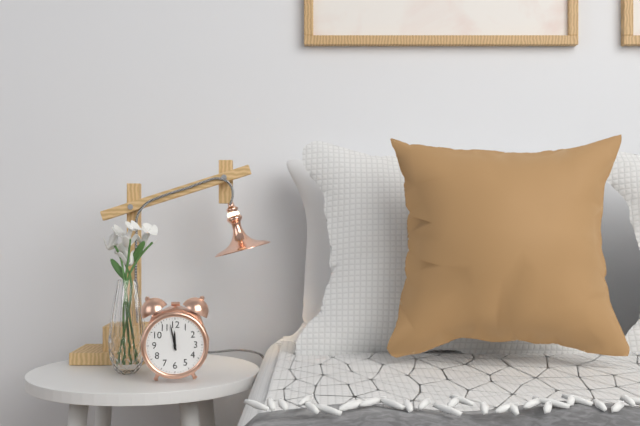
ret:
11:58
